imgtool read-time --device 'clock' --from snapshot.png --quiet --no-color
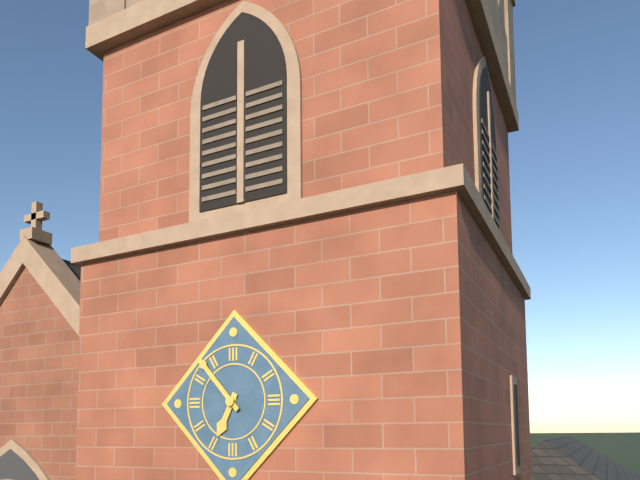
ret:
6:53
